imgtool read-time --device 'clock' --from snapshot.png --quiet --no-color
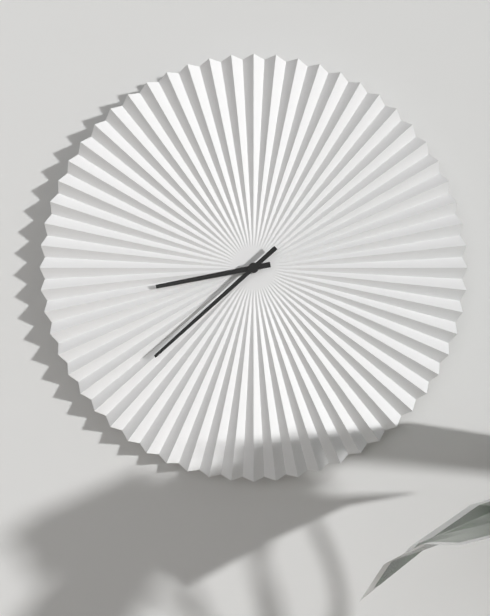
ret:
8:38
